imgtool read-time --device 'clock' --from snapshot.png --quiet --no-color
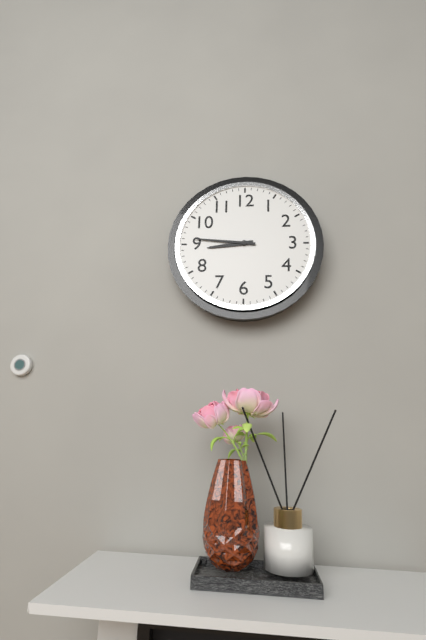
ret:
8:46
